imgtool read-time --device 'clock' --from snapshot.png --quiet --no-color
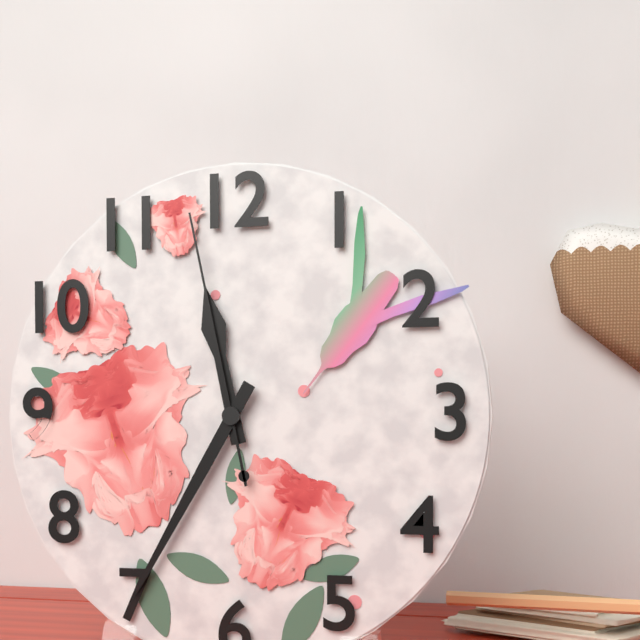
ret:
11:35:58
